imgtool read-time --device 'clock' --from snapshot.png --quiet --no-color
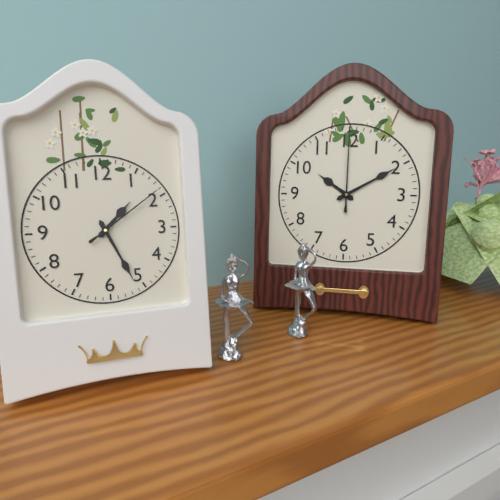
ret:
1:26:09
